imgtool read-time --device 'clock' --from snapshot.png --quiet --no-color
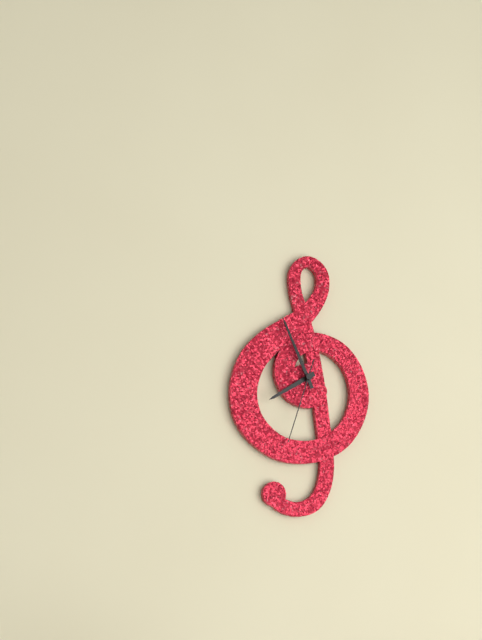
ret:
7:56:33
